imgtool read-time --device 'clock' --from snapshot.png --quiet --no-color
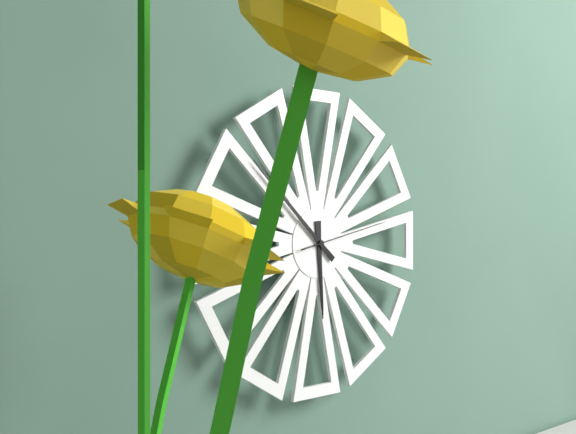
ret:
5:52:13
